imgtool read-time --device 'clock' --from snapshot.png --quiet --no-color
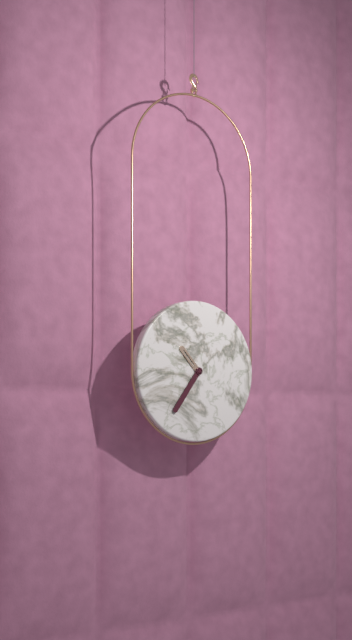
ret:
10:36
